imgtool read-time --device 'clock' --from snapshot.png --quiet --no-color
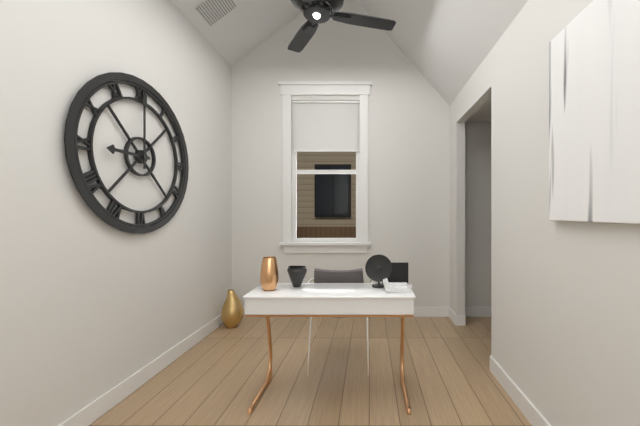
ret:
9:00
